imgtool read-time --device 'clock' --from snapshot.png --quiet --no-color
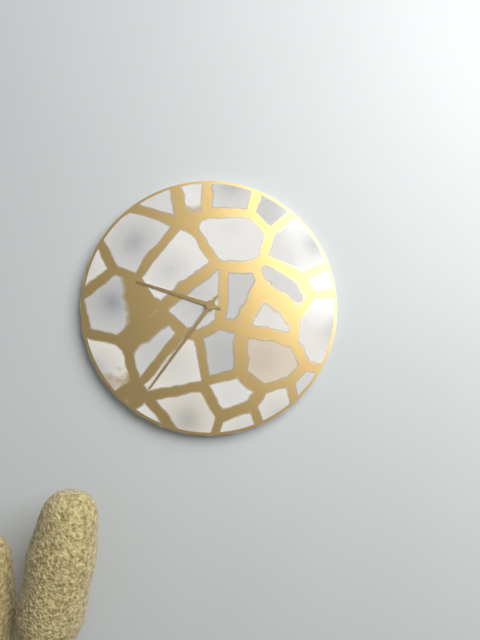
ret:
9:36
